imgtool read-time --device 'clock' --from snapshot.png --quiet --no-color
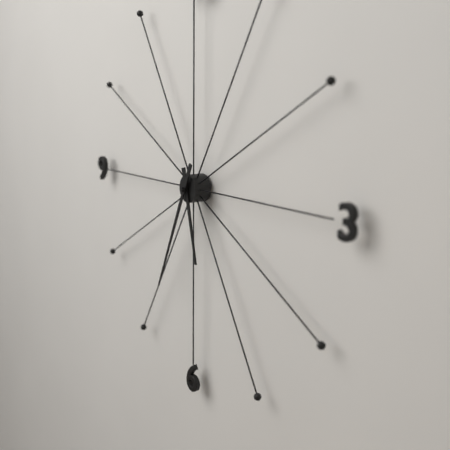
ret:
5:34
